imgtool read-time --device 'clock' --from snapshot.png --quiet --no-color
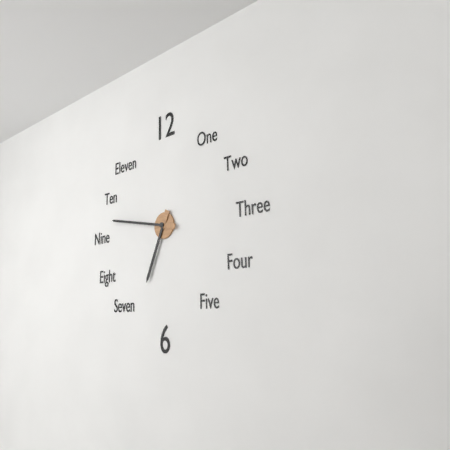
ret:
6:47
